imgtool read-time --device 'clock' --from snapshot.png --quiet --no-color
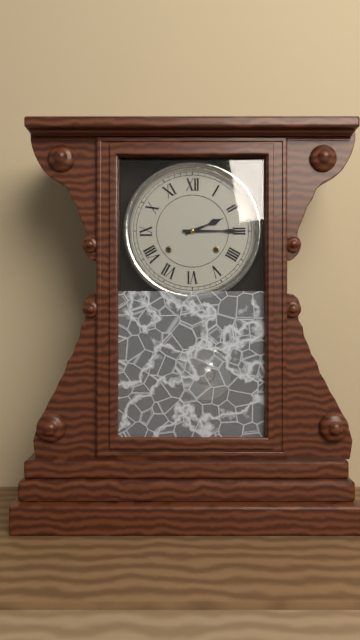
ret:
2:15
